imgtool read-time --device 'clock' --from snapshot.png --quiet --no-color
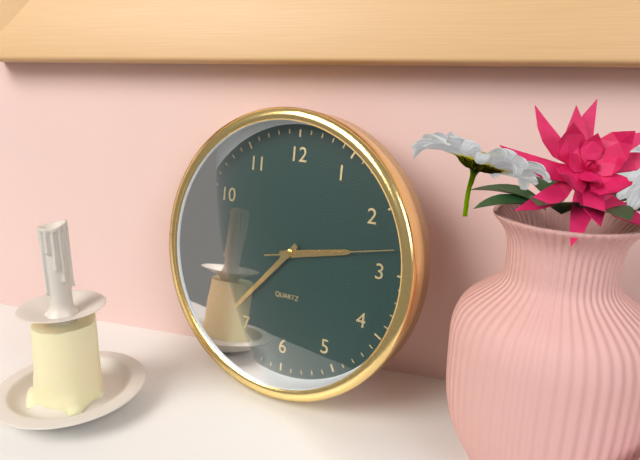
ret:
2:37:13
